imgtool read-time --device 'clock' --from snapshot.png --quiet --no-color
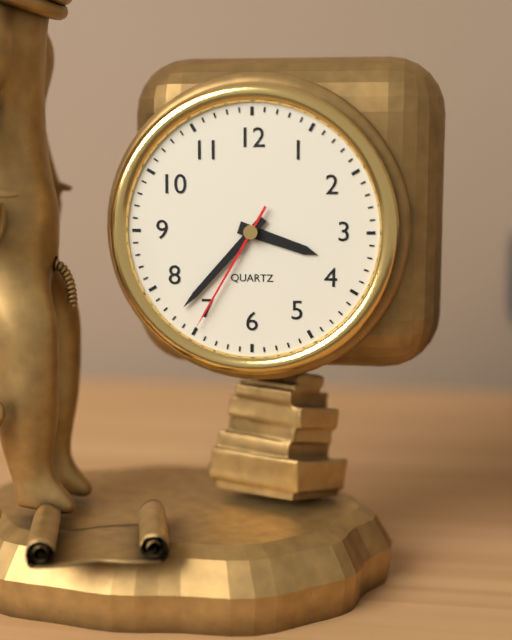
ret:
3:37:35
